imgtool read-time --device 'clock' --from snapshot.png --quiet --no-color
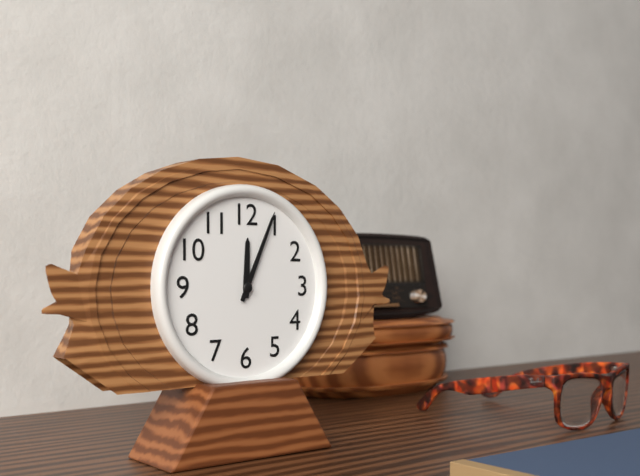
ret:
12:04
